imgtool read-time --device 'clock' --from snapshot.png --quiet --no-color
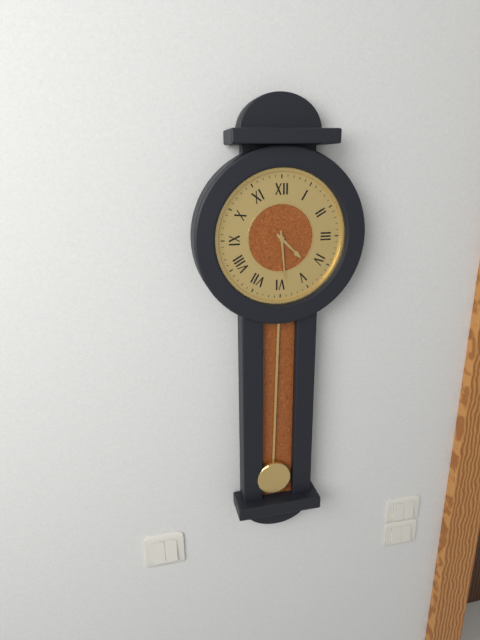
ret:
4:29
